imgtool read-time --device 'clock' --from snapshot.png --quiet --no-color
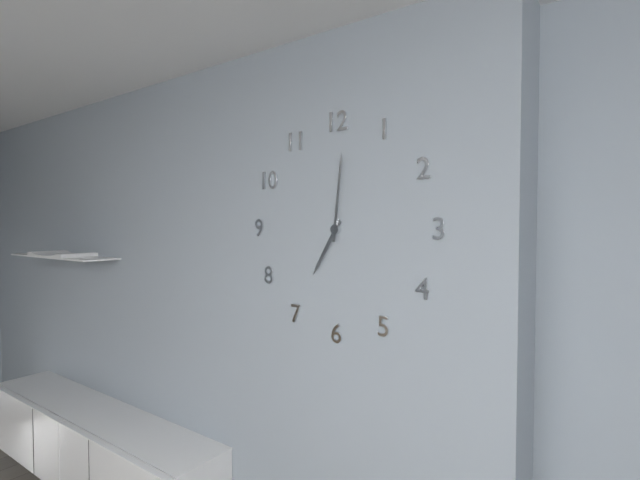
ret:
7:01
